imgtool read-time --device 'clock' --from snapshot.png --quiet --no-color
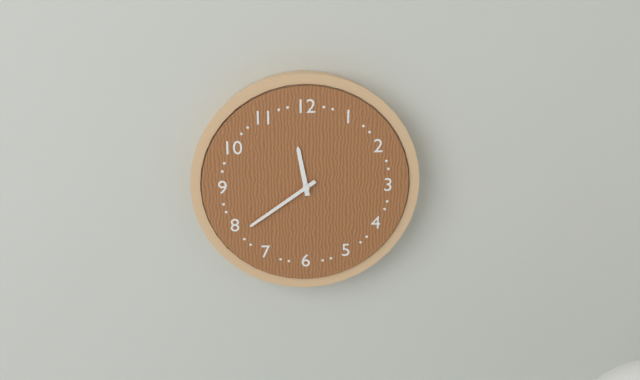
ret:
11:39
